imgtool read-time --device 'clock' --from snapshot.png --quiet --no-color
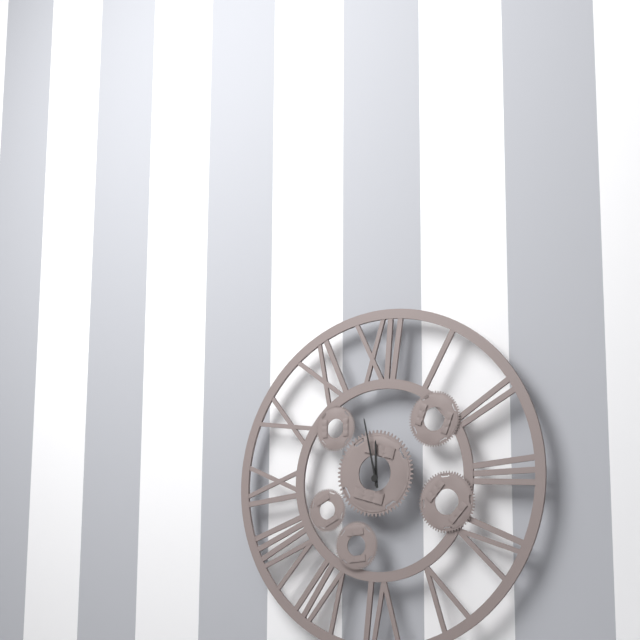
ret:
11:58
